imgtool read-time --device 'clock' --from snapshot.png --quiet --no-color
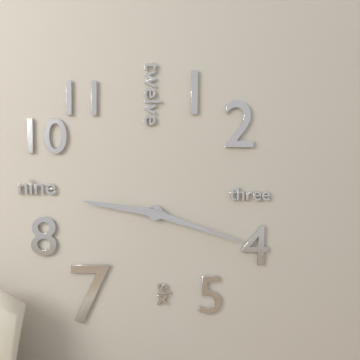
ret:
9:18
